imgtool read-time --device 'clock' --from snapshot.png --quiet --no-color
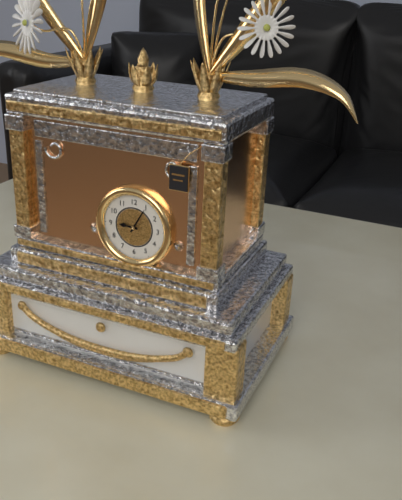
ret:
9:05
